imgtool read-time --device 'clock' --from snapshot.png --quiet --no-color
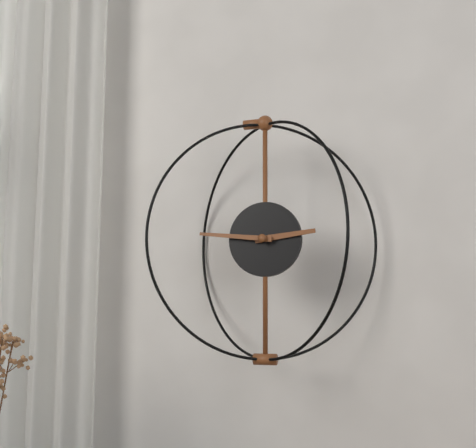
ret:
2:46
